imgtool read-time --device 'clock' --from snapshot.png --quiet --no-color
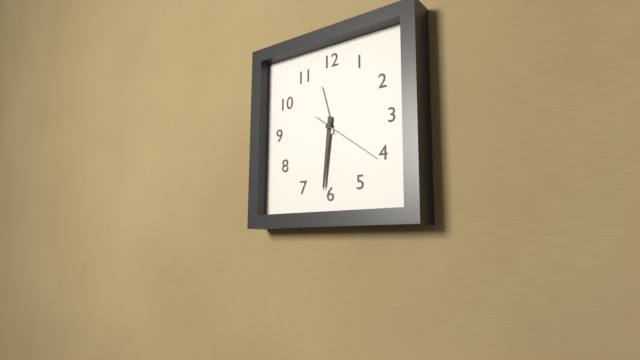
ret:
11:31:21
